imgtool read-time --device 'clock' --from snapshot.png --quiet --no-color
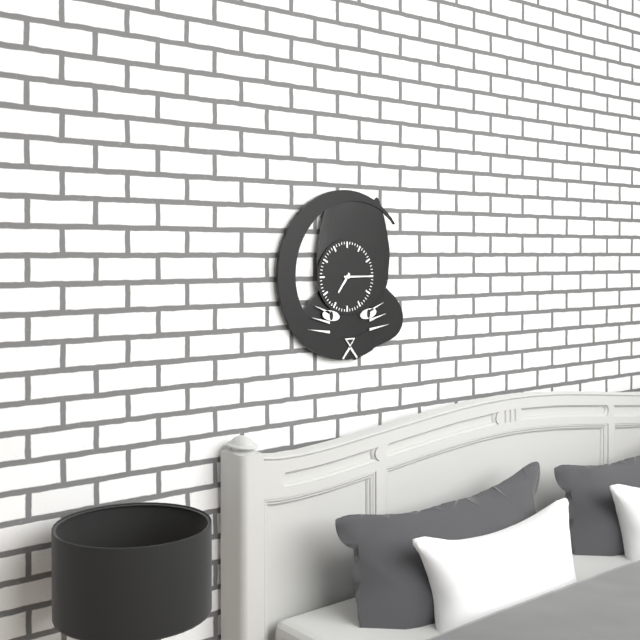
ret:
7:15
